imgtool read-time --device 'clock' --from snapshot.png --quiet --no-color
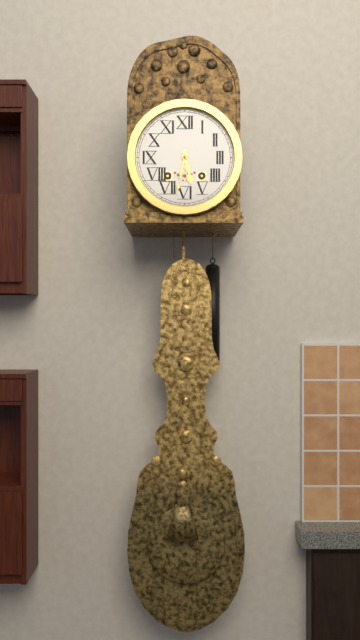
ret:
5:32
